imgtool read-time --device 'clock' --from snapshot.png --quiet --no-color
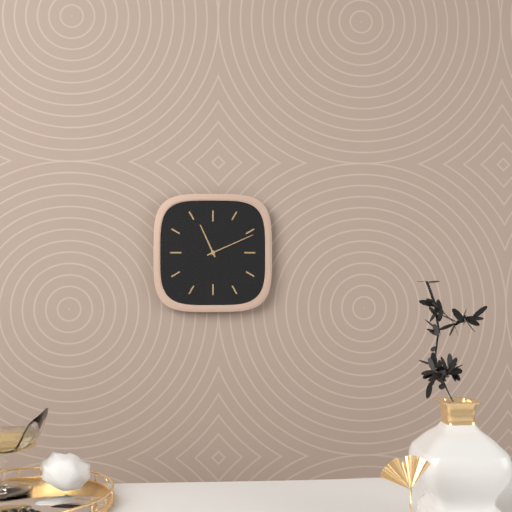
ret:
11:11
